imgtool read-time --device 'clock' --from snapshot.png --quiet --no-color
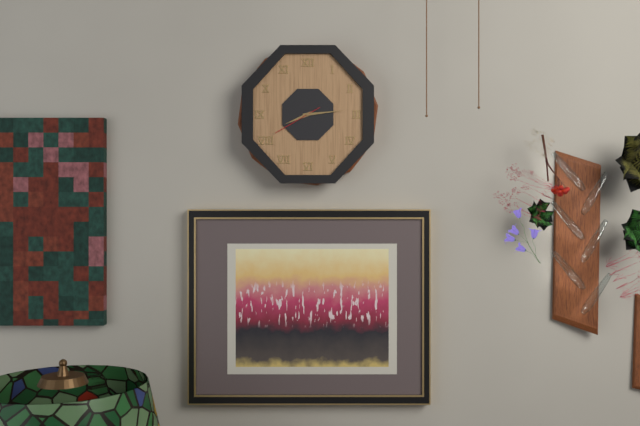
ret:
8:14
